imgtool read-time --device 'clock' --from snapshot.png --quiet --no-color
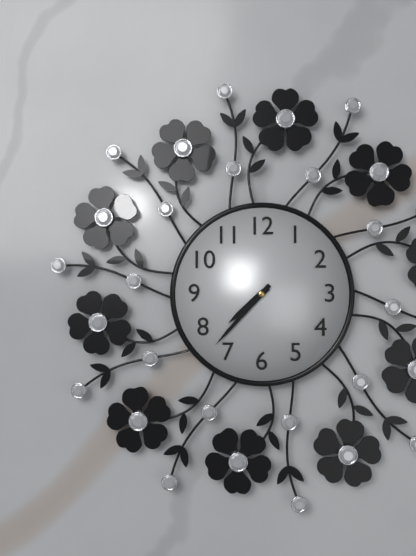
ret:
7:37
